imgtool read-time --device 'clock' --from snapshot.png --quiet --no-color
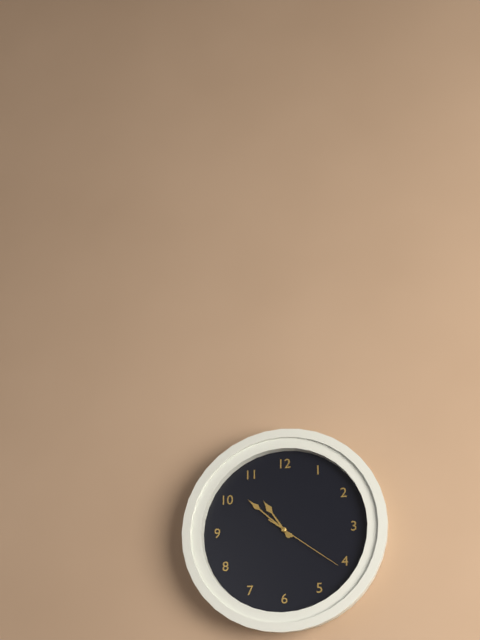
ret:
10:52:21
